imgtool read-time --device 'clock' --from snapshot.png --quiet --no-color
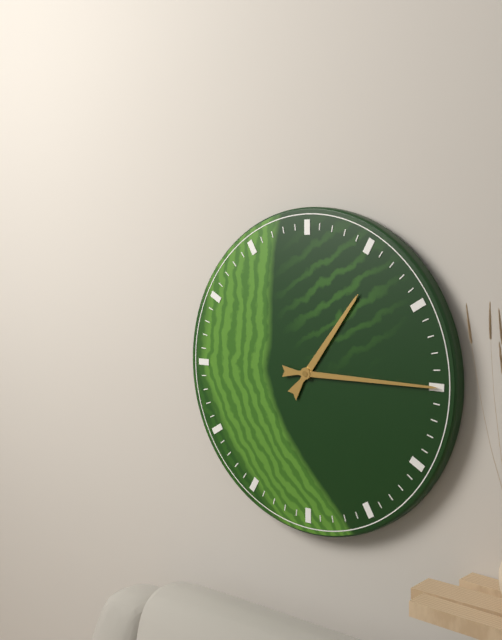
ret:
1:15
